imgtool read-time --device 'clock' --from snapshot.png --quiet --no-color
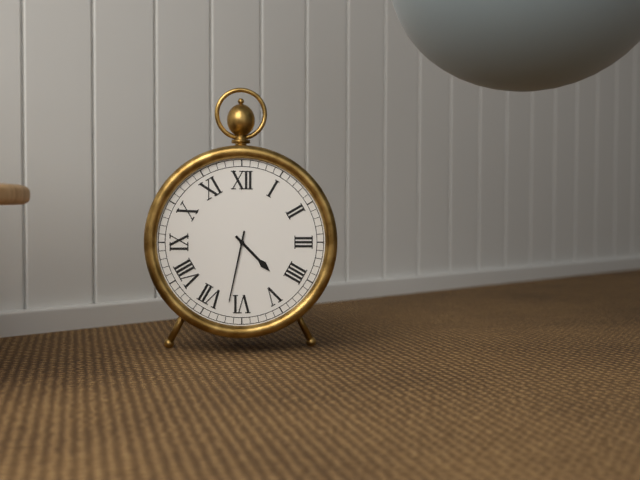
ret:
4:32
